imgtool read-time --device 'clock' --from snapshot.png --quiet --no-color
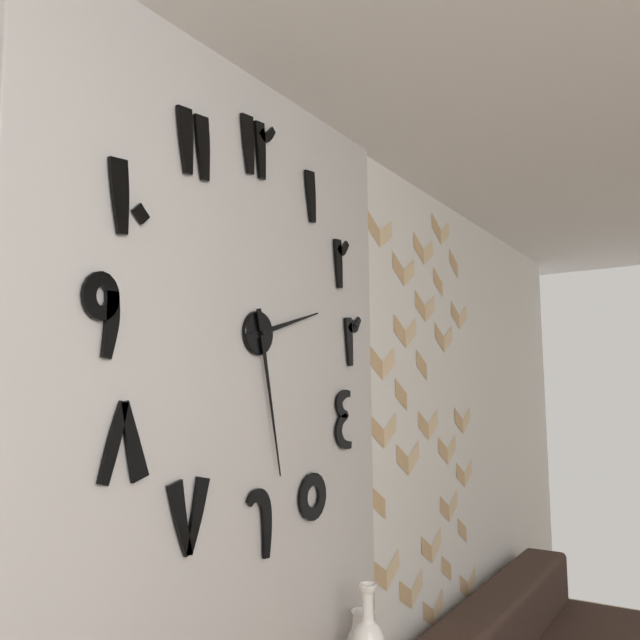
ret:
2:28
